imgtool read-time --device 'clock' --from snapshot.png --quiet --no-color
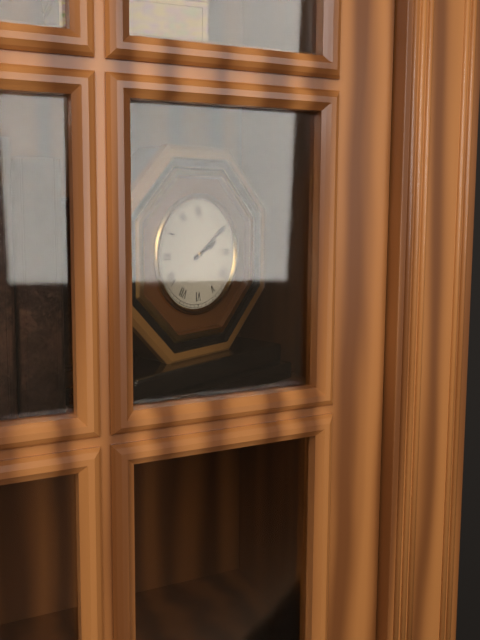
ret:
2:09
